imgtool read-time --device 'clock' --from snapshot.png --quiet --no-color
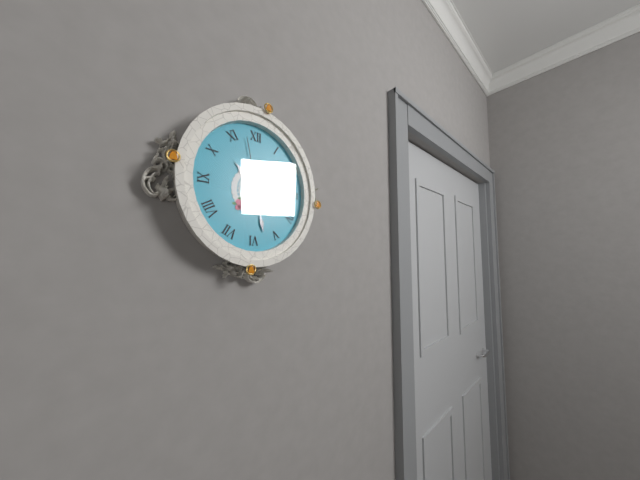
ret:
10:28:58
